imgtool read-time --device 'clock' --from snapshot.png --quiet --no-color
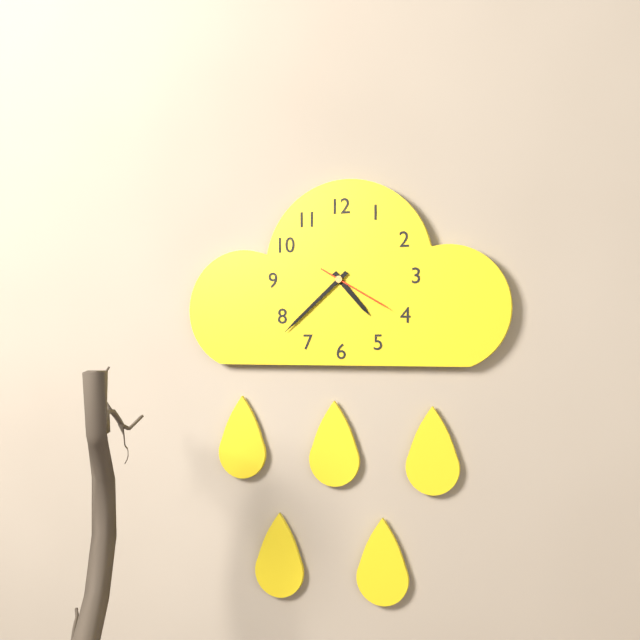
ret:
4:38:20
